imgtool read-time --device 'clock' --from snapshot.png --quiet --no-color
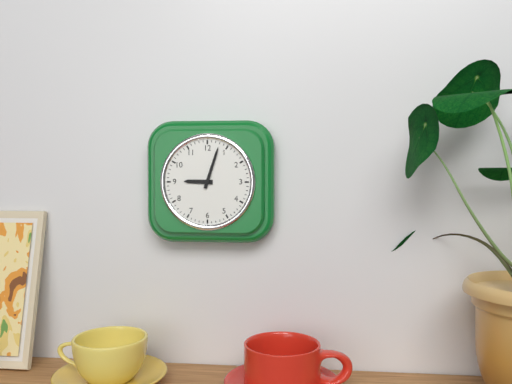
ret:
9:03
